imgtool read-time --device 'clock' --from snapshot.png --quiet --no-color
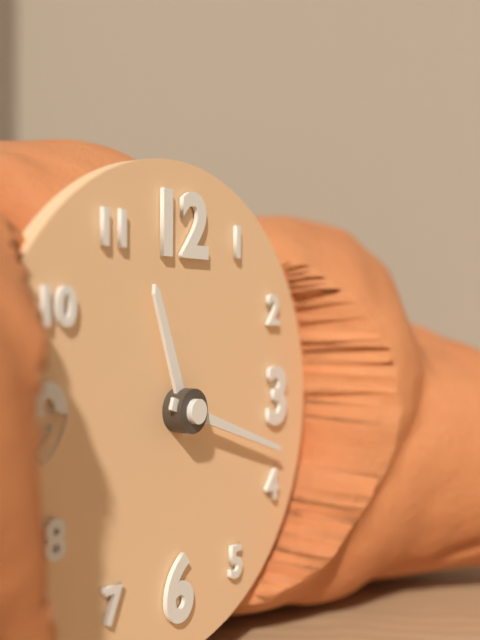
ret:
11:18
